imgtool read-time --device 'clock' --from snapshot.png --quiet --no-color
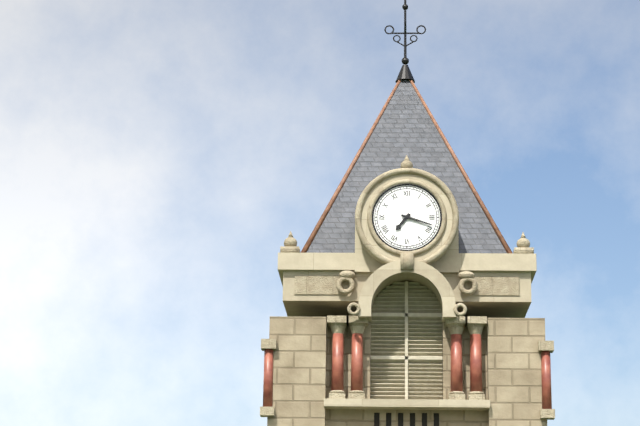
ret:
7:18
